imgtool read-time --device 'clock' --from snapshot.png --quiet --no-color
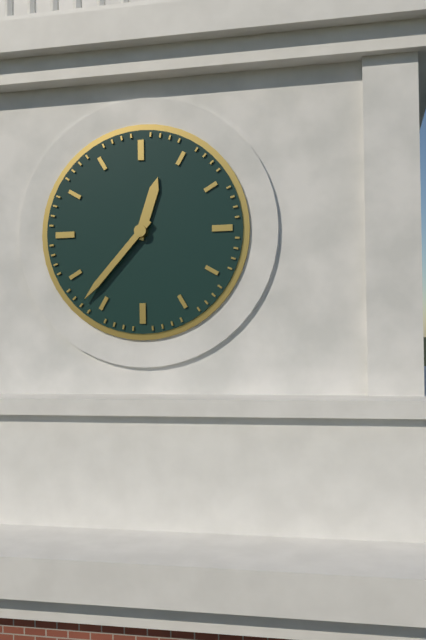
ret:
12:37
